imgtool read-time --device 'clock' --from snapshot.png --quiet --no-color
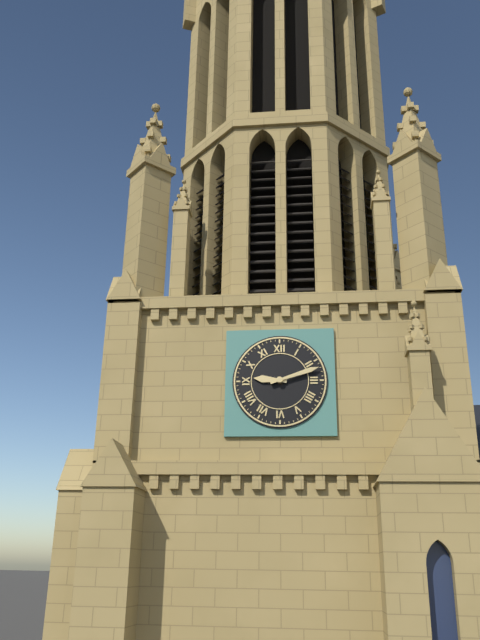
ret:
9:12
